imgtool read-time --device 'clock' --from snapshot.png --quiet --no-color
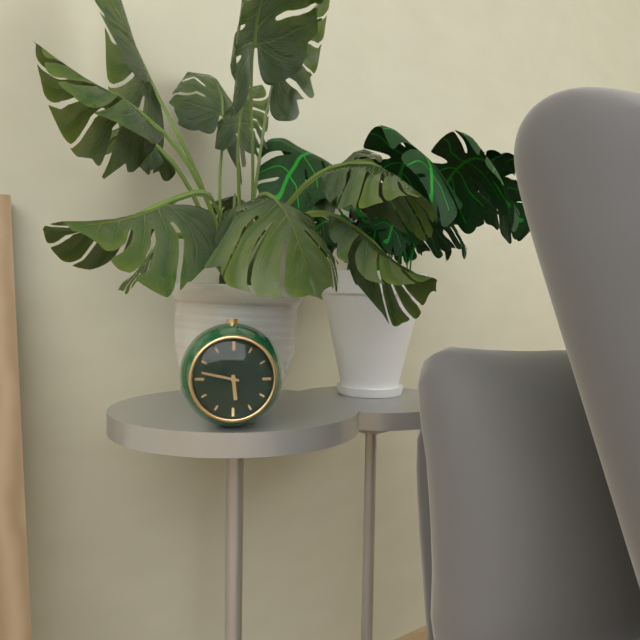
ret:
5:47
